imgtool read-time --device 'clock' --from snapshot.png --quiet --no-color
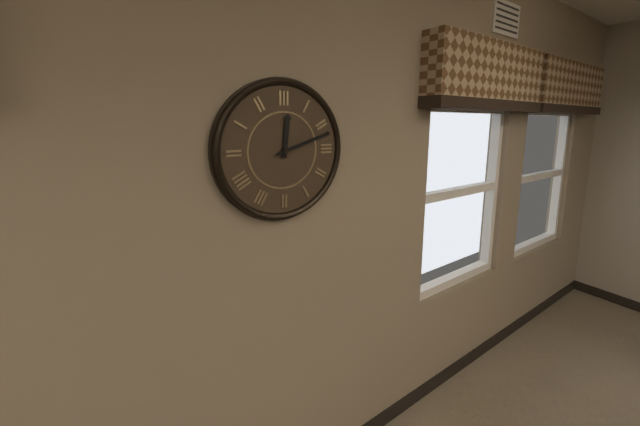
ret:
12:12
